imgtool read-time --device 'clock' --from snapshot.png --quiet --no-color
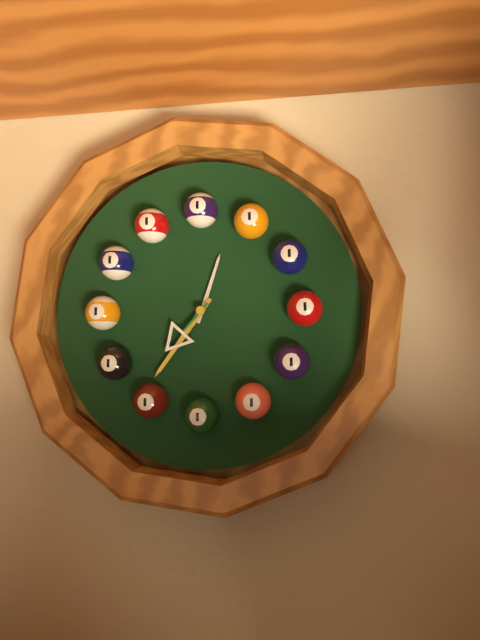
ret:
12:36:37
